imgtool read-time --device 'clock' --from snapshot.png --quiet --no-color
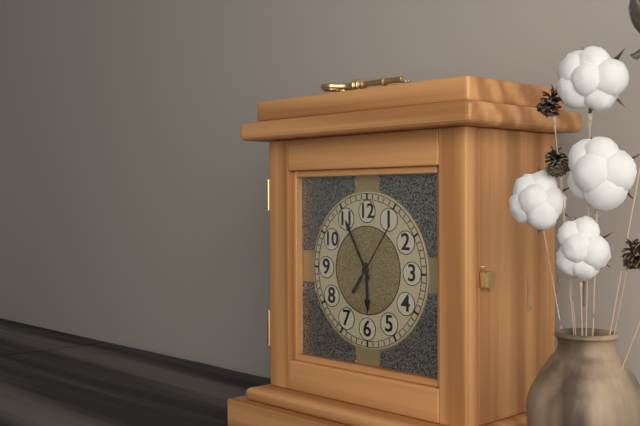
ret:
5:55:06
